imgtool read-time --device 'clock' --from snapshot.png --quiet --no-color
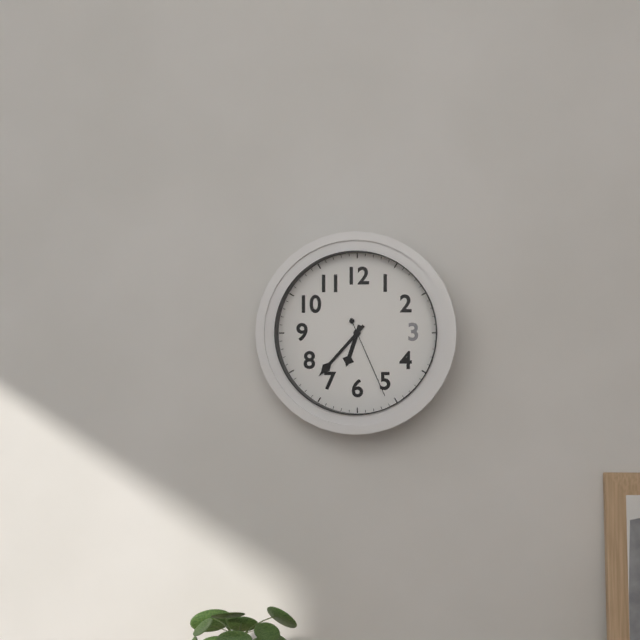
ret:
6:37:26
